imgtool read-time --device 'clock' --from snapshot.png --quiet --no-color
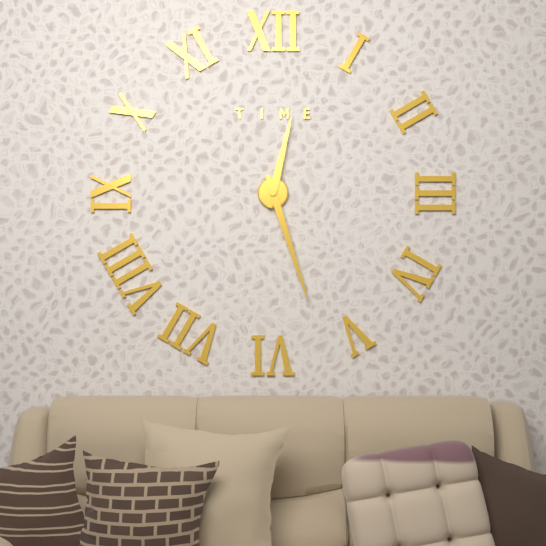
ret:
12:27
